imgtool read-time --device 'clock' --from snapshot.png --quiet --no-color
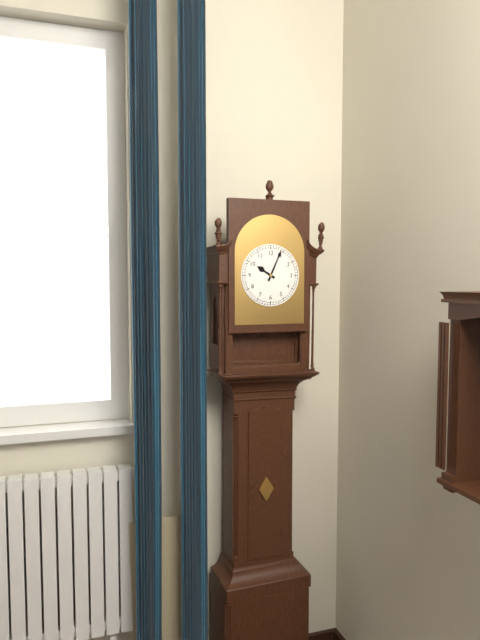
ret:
10:04
